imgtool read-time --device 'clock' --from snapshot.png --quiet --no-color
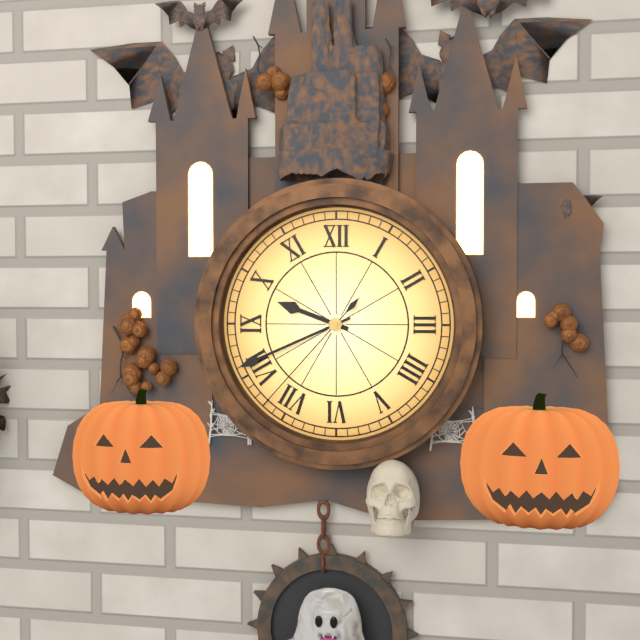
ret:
9:41:37
